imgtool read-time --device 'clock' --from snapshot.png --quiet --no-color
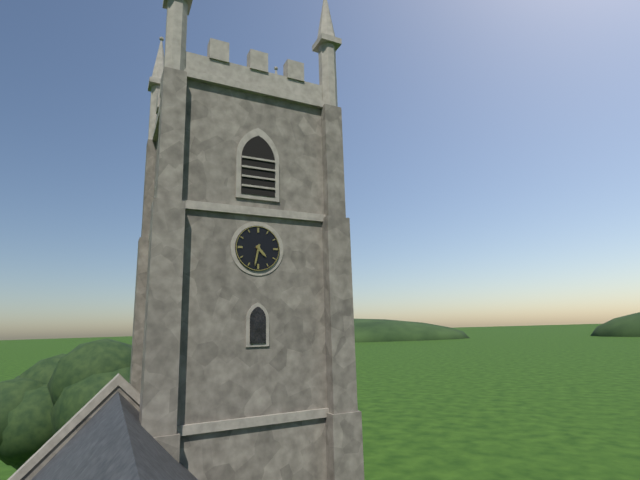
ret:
4:32
